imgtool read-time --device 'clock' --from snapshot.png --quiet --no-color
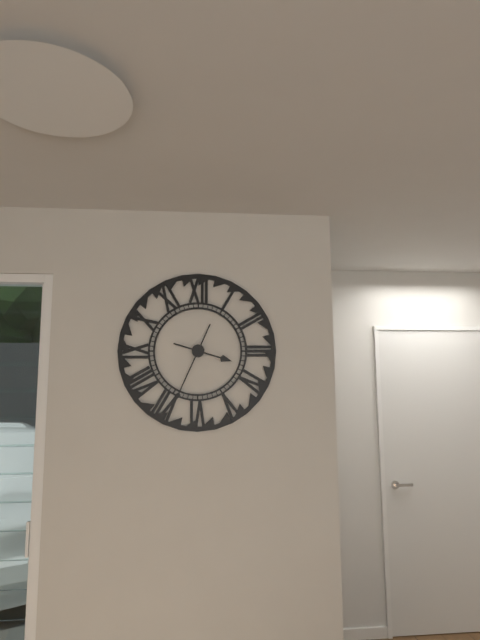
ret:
3:34
